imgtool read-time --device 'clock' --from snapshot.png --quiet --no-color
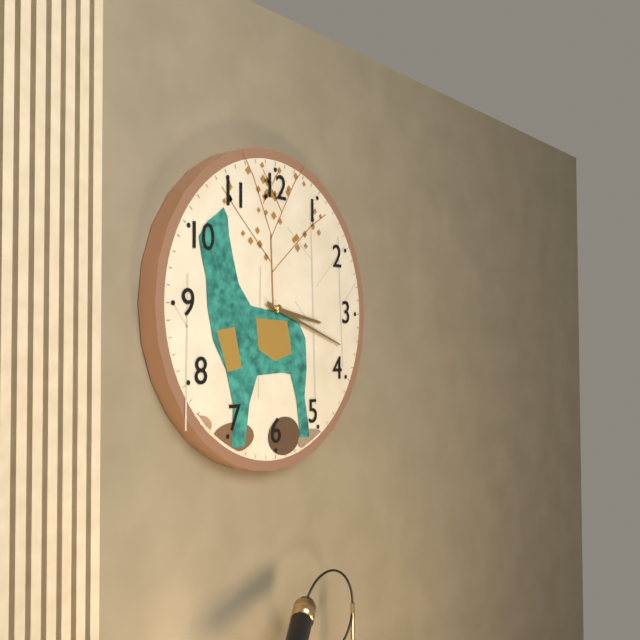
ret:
3:18
